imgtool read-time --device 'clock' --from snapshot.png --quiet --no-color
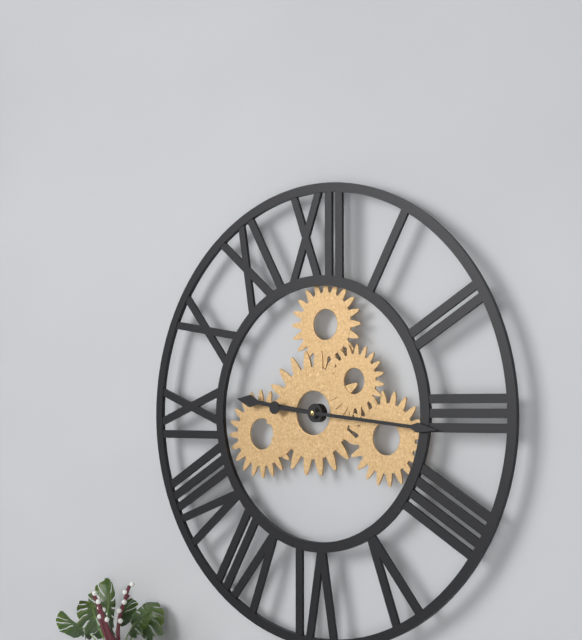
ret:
9:16
